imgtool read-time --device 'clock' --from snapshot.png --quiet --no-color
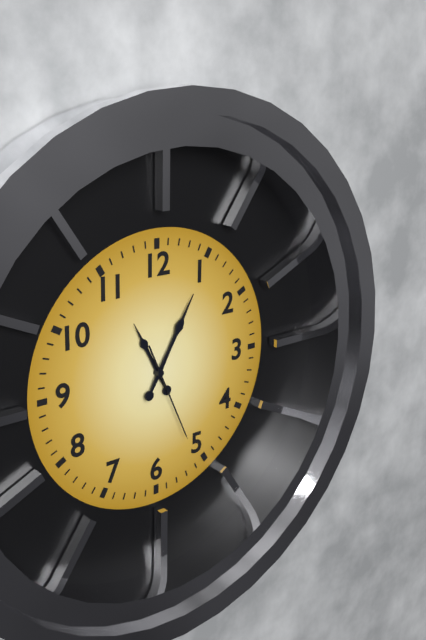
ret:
11:05:26
